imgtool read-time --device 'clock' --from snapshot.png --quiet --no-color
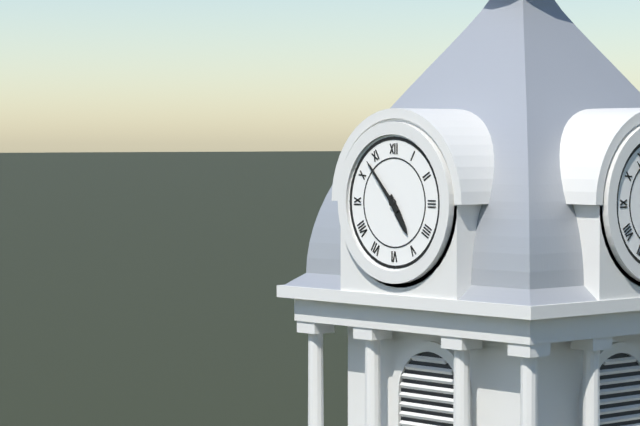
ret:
4:53
